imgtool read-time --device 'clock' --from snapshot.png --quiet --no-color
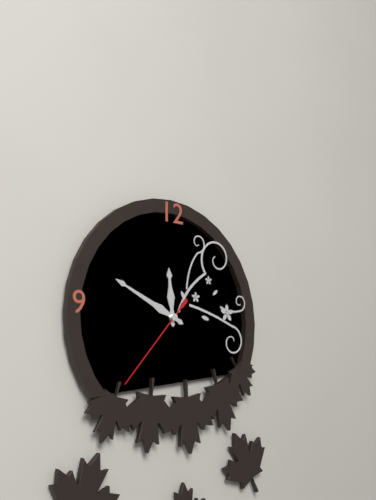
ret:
11:49:37
